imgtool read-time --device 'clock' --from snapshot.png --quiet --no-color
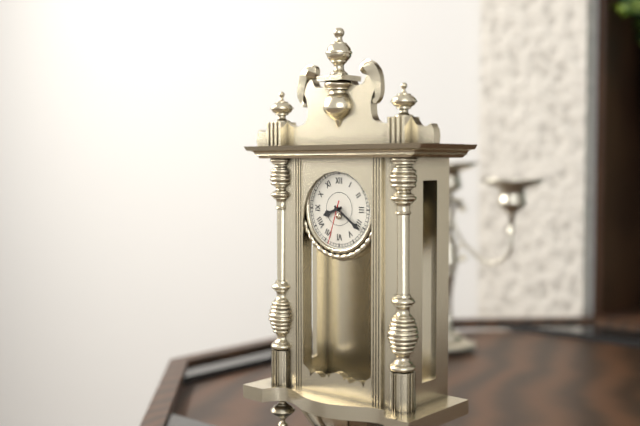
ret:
8:21
